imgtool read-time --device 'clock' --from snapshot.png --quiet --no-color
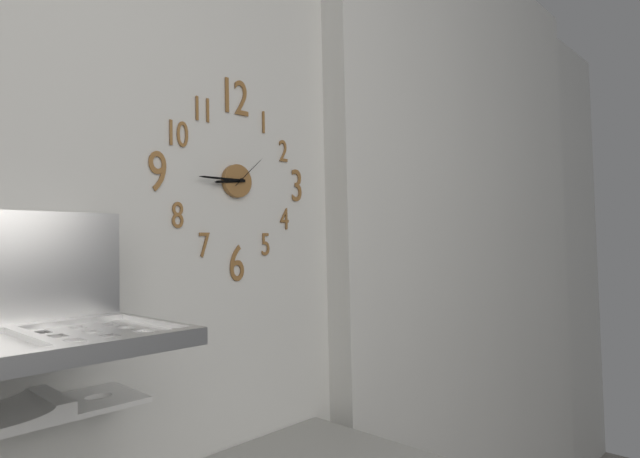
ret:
8:45
